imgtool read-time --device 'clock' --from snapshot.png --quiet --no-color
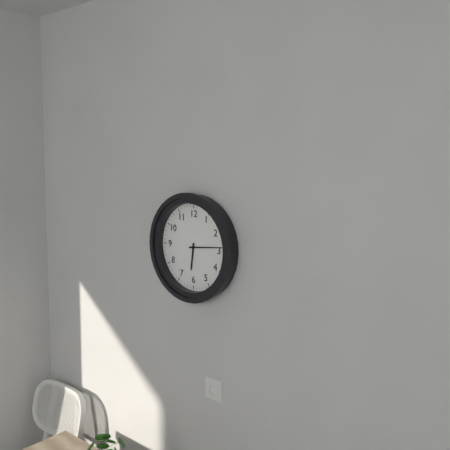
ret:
6:14
